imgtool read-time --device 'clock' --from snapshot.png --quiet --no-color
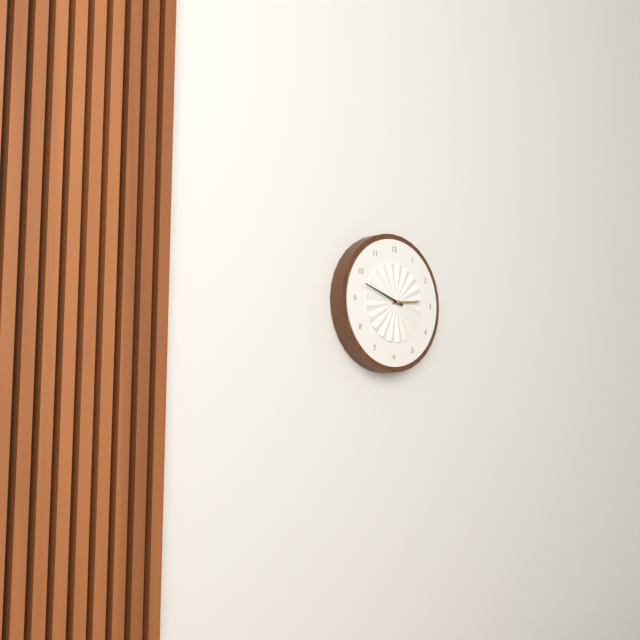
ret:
2:48
